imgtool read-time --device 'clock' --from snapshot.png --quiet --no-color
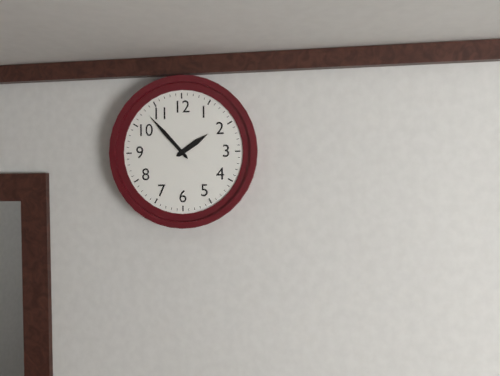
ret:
1:53
